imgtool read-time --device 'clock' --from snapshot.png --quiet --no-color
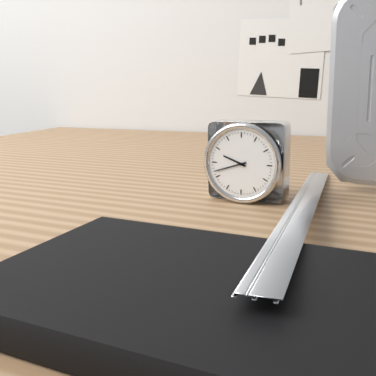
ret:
9:42
